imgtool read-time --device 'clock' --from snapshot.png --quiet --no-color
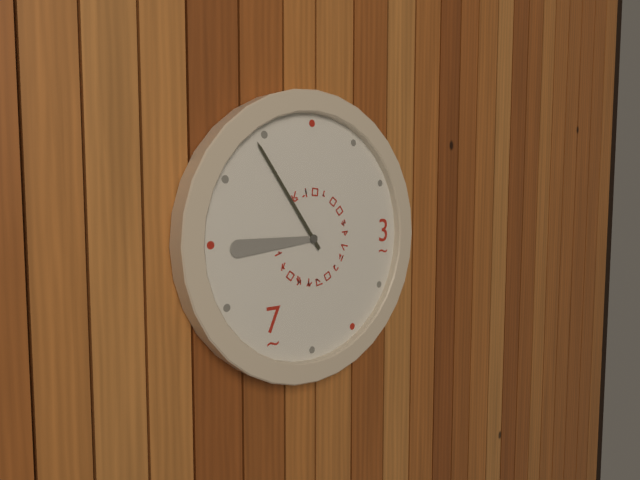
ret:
8:54
